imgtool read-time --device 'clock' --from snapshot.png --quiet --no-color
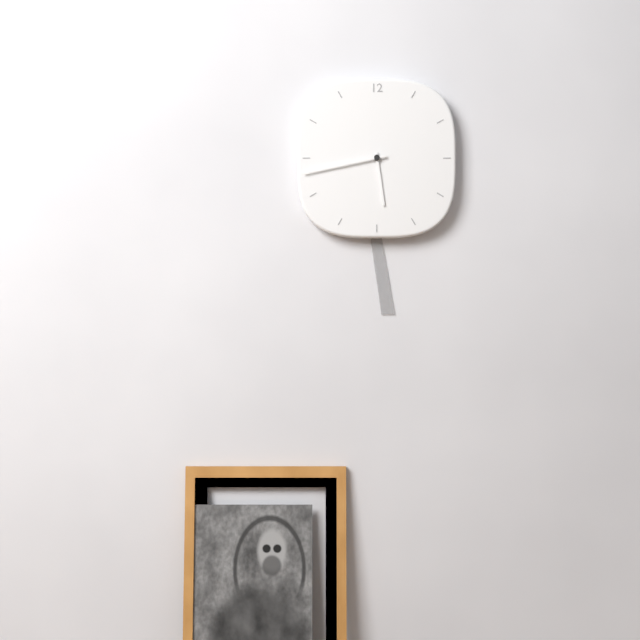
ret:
5:43
